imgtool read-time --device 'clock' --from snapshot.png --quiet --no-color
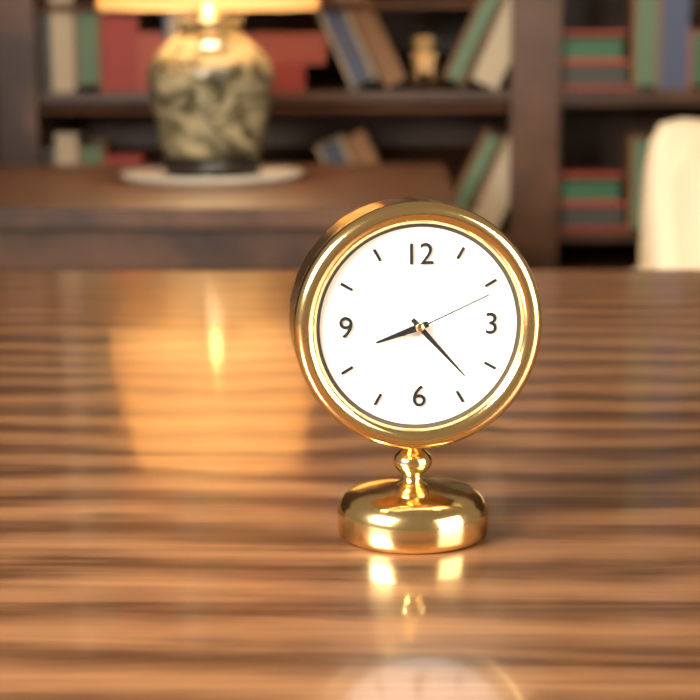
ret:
8:23:11
